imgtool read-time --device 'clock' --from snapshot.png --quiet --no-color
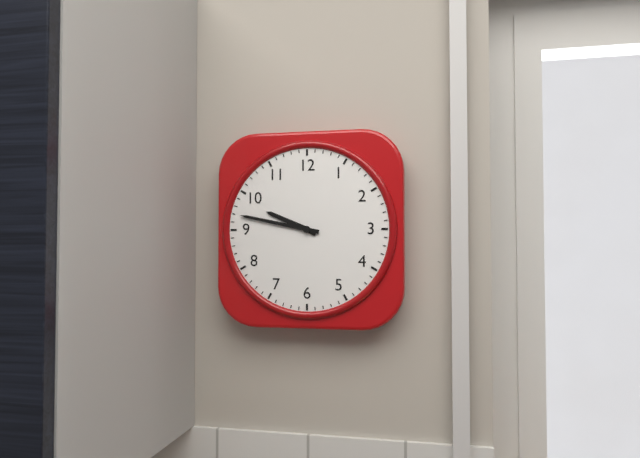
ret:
9:47
